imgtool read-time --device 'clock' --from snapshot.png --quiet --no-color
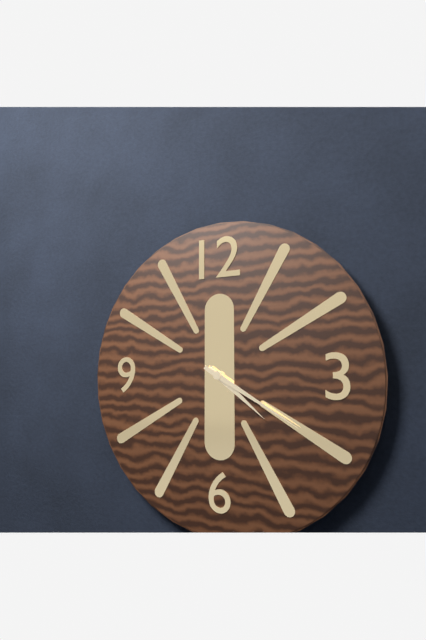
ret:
4:20
